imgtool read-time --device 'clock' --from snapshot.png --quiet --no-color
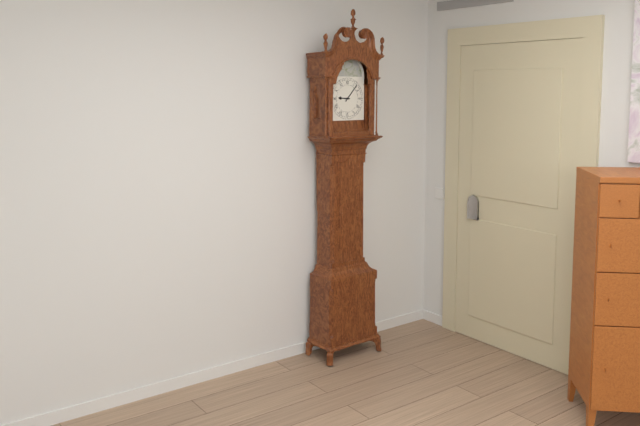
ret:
9:07
